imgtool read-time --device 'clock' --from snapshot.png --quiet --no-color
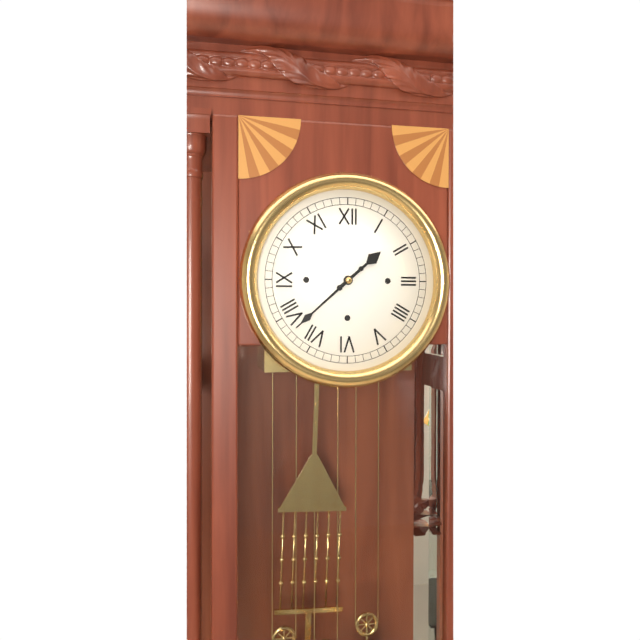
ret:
1:38
